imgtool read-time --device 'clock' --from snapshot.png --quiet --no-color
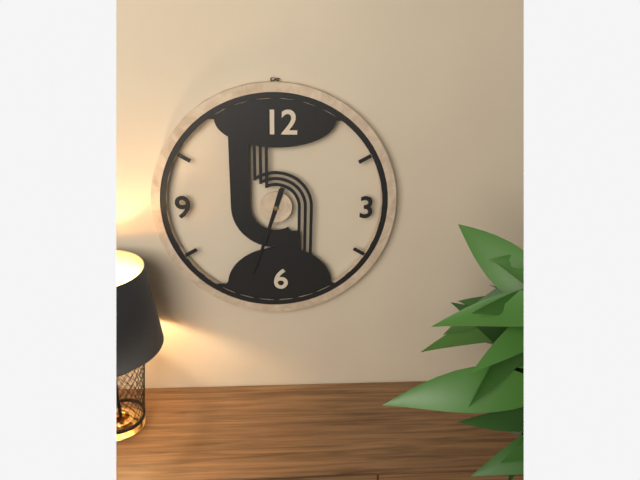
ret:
6:33
